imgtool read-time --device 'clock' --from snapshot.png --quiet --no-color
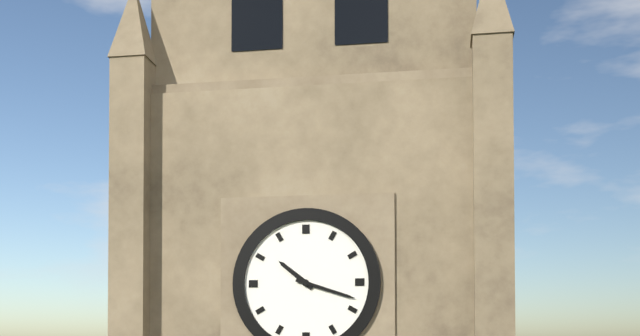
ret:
10:18
